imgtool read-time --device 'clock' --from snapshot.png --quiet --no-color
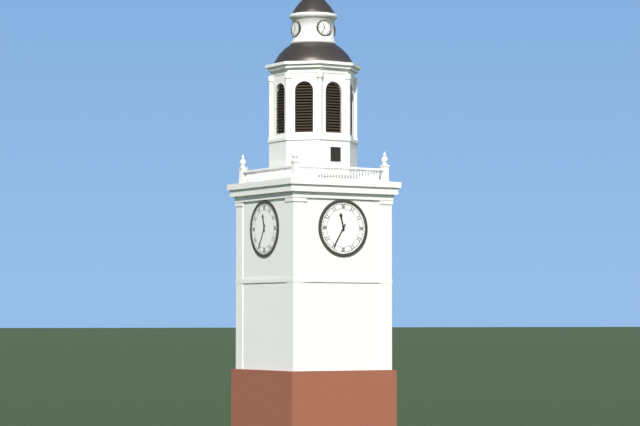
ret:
11:35
